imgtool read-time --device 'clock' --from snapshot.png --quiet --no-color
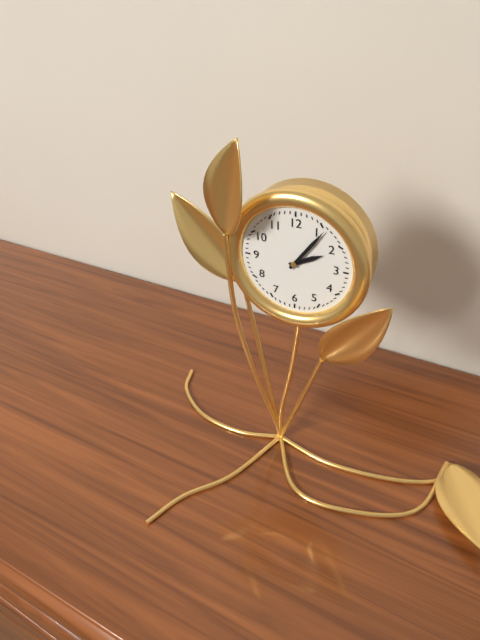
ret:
2:06
